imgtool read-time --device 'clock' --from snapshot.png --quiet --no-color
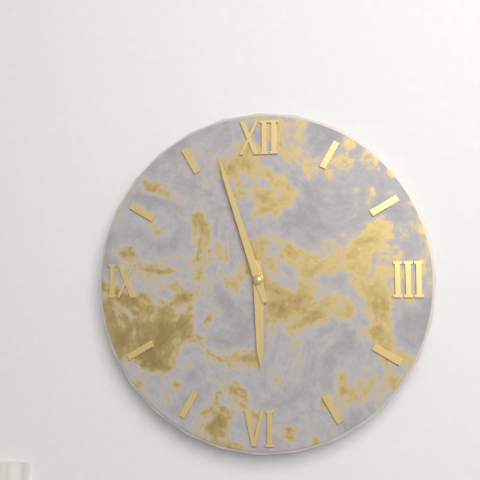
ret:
5:57
